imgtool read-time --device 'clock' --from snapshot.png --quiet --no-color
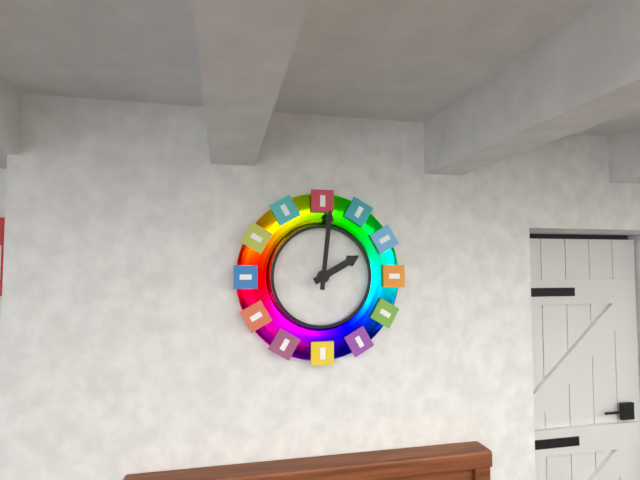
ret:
2:01
